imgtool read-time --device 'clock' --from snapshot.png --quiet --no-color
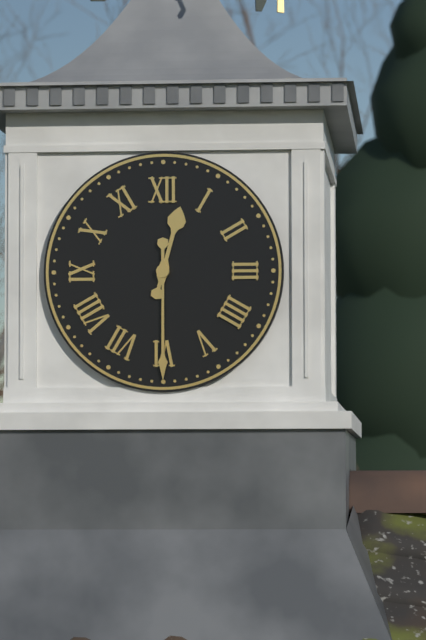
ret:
12:30
